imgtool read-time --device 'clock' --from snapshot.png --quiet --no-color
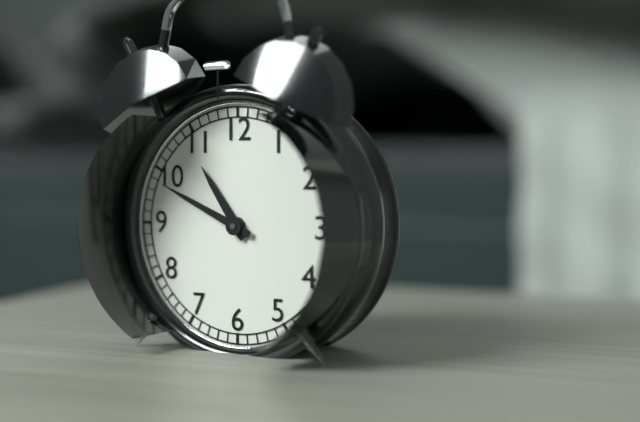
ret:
10:49
